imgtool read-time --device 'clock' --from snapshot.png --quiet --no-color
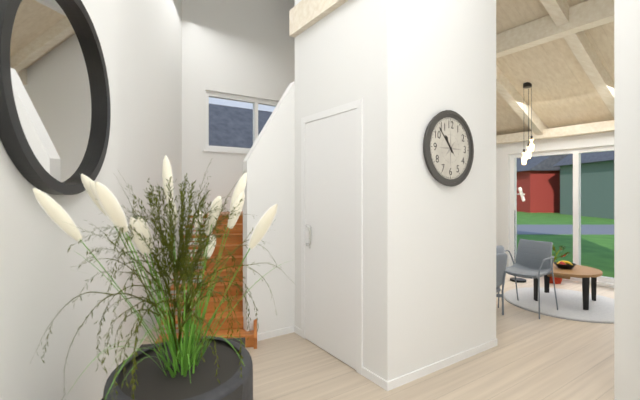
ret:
10:53
